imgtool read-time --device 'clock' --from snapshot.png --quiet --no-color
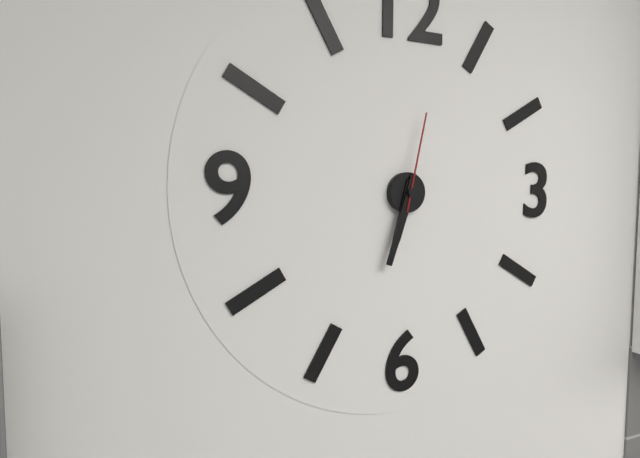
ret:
6:33:02
